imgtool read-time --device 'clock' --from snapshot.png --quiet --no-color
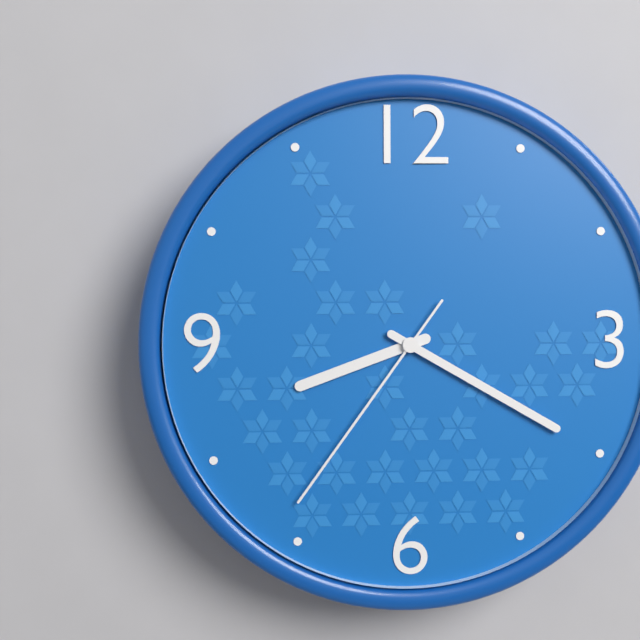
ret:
8:20:36
